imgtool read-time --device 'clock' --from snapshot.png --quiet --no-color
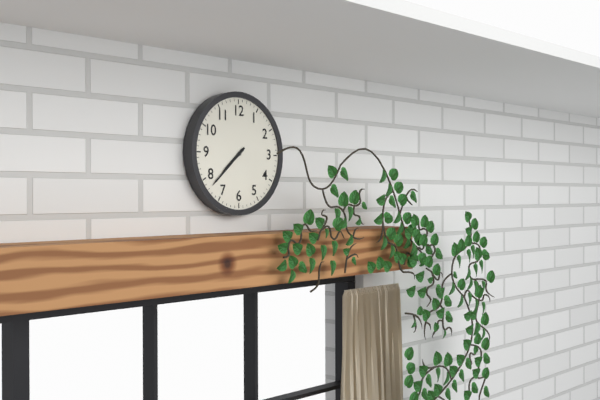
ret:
7:38
